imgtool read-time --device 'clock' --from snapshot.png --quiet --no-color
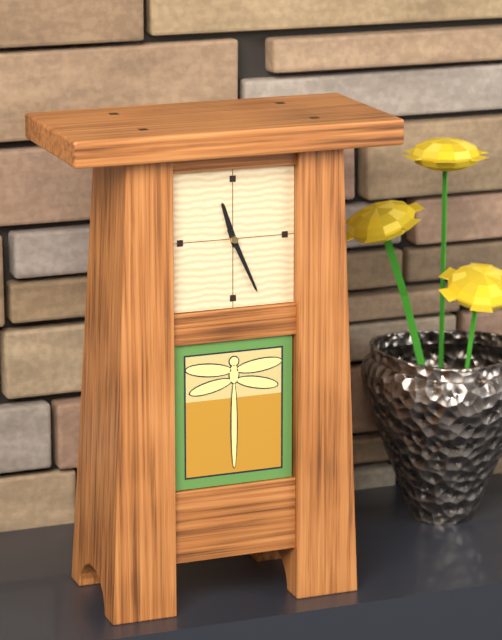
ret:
11:26
